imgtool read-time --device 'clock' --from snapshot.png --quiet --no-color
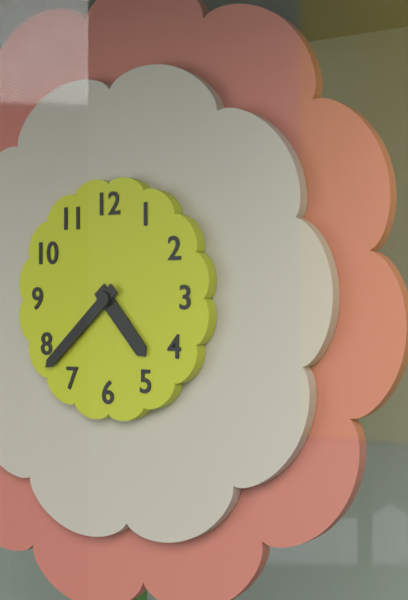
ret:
4:38
